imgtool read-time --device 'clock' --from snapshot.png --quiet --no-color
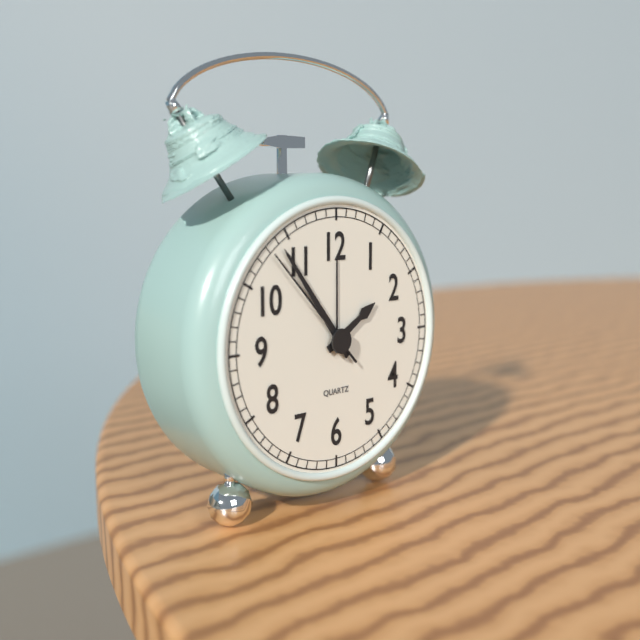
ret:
1:54:53
